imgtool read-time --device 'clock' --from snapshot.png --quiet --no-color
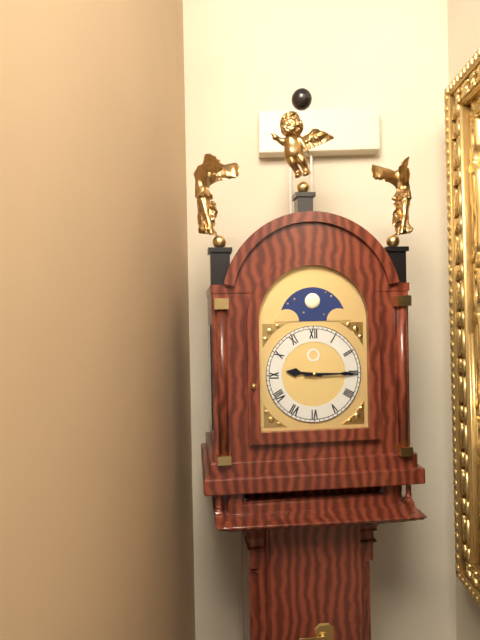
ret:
9:15
